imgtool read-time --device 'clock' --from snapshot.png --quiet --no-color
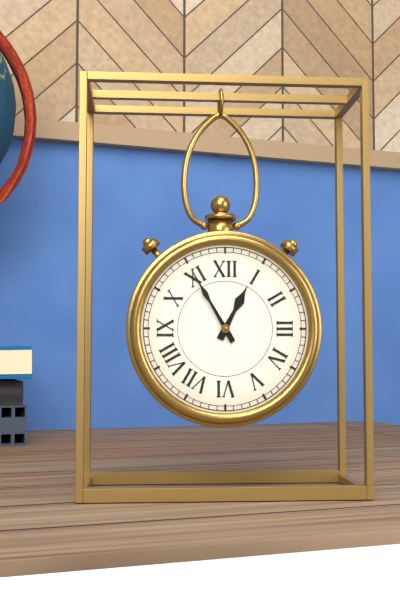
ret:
12:55
